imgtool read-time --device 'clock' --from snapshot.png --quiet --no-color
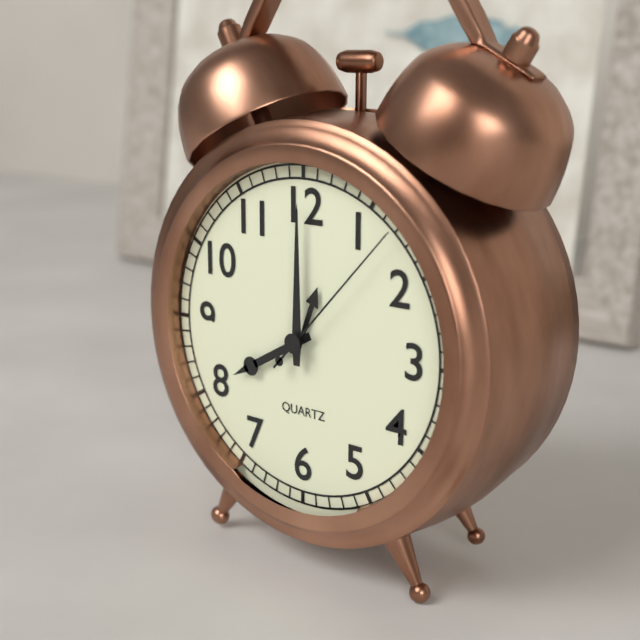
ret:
8:00:07
